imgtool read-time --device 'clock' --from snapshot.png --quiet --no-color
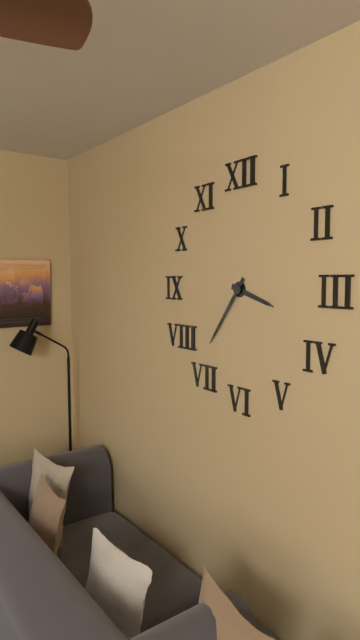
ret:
3:36
